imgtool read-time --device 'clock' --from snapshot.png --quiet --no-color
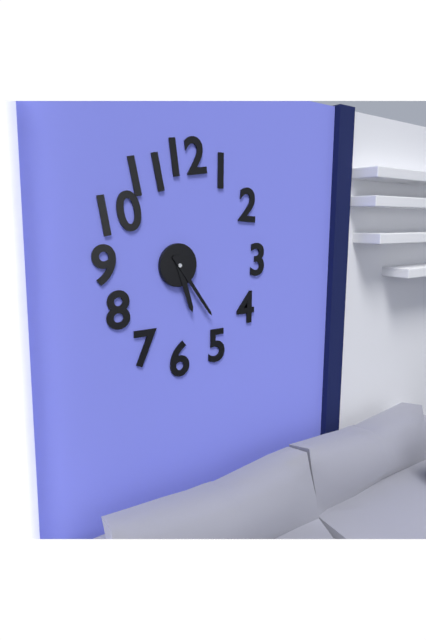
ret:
5:24
